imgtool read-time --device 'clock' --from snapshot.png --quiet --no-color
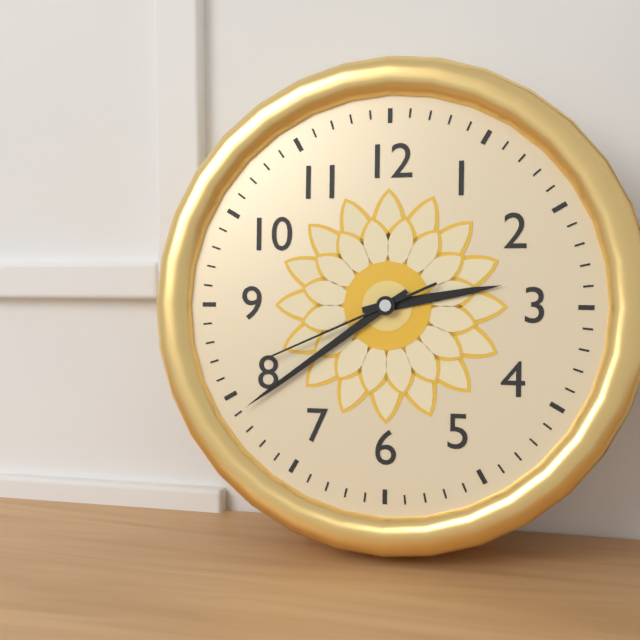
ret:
2:39:41
